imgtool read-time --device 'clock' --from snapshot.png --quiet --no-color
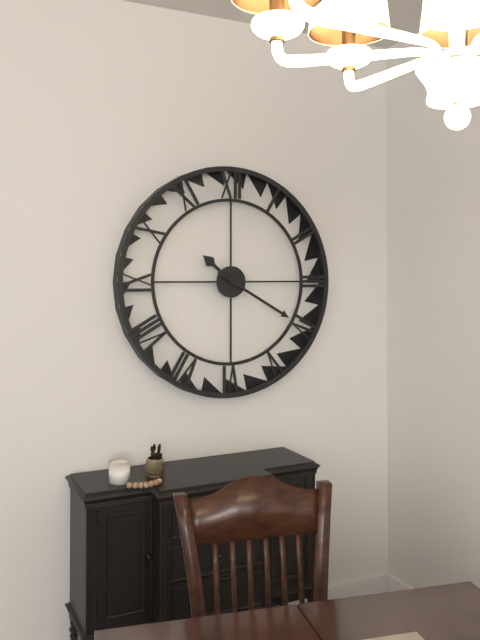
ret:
10:20
